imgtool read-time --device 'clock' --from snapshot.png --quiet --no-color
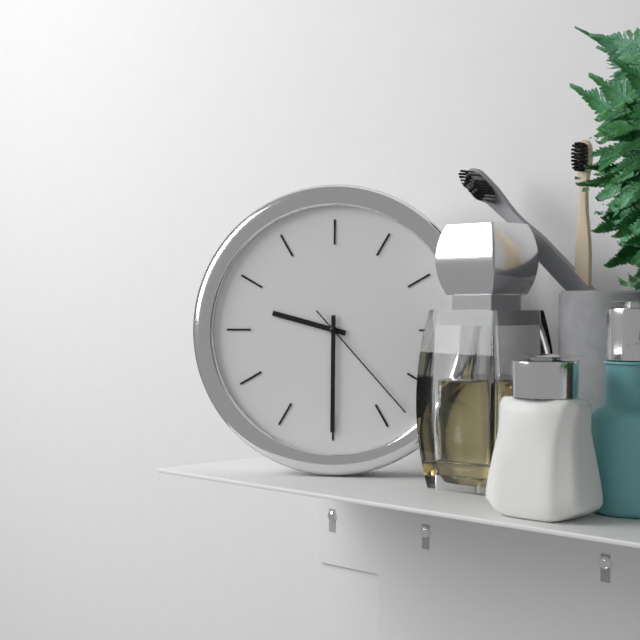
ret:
9:30:23
